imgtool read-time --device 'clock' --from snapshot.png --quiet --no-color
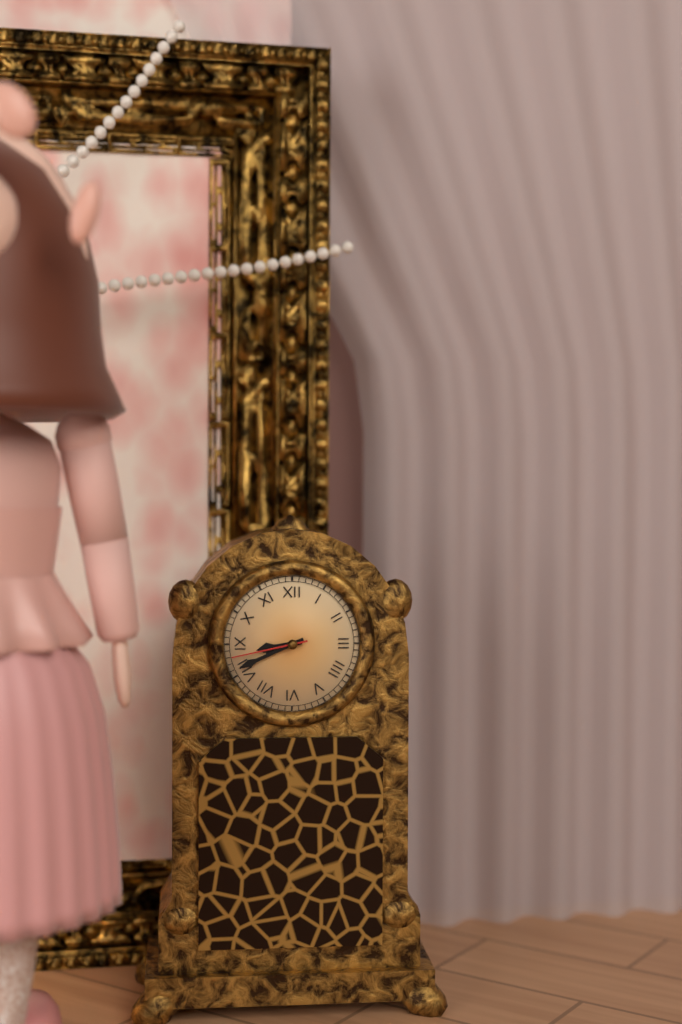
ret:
8:41:43
